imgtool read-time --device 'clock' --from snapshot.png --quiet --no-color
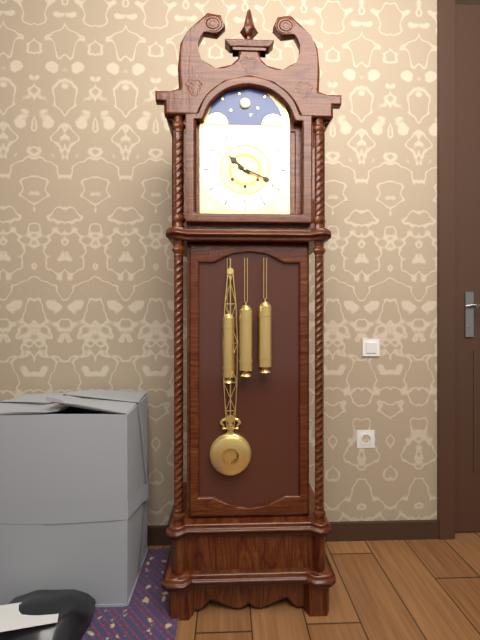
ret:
10:19
